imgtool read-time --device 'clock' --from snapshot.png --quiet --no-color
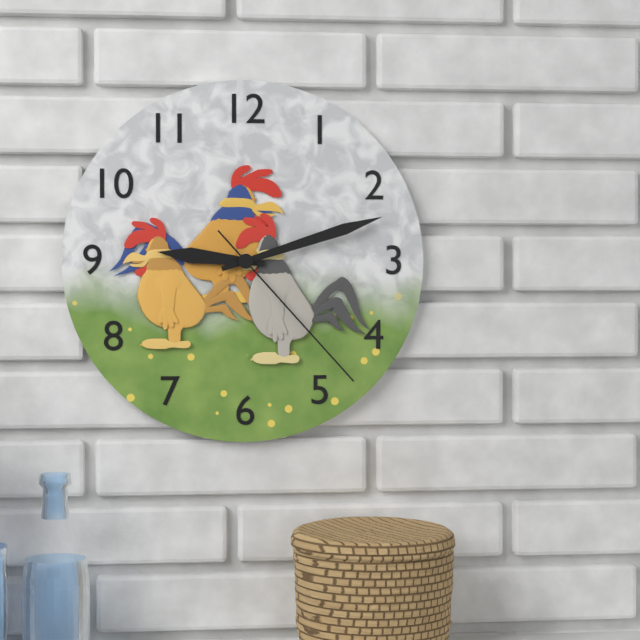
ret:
9:12:23
